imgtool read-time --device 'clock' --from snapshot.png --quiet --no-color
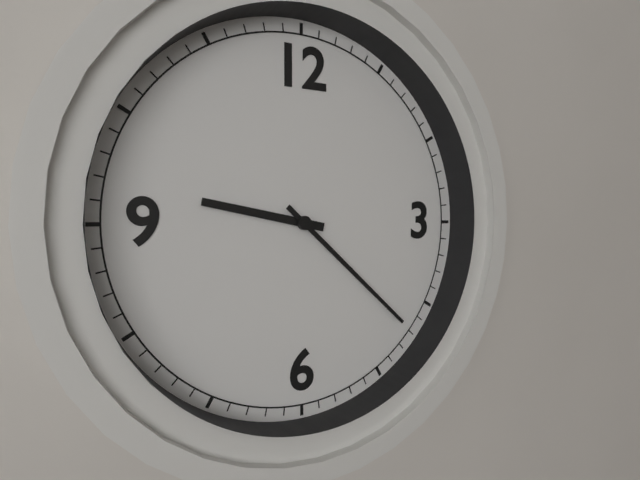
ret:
9:22
